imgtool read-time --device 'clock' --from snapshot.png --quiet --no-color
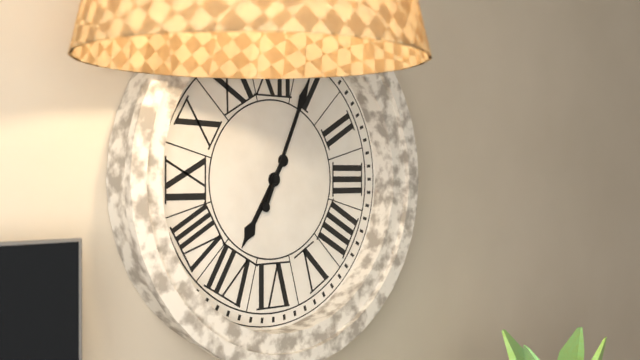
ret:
7:04
